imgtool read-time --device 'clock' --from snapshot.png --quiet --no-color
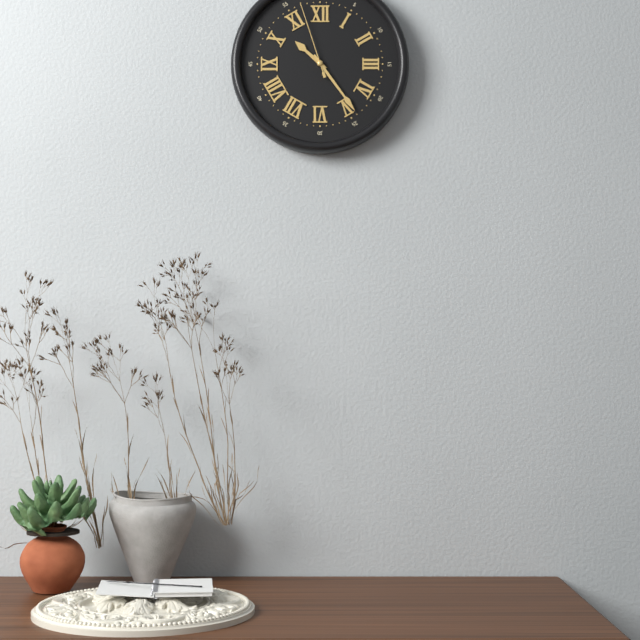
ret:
10:24:57
